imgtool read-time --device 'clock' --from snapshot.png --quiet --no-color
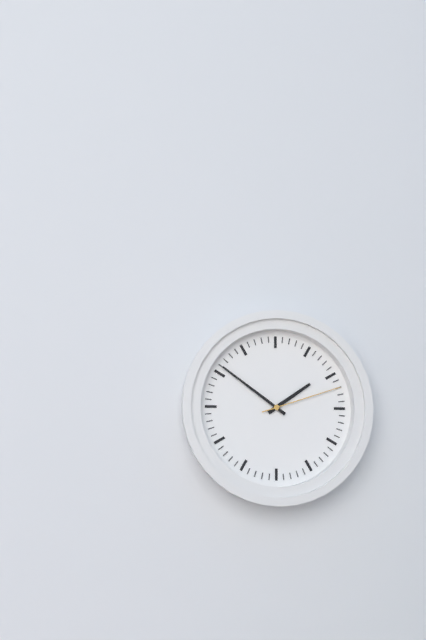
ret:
1:51:12
